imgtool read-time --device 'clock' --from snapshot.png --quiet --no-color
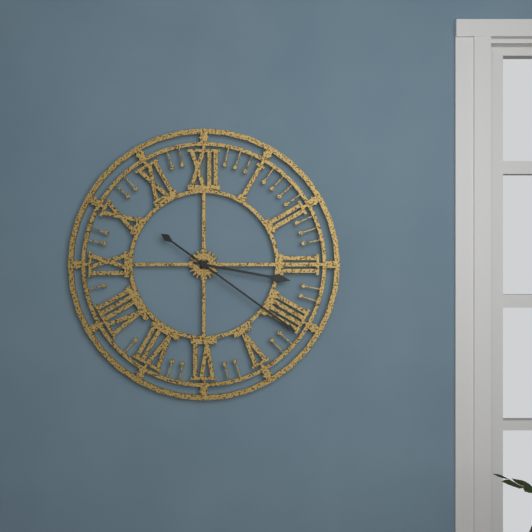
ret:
3:21
